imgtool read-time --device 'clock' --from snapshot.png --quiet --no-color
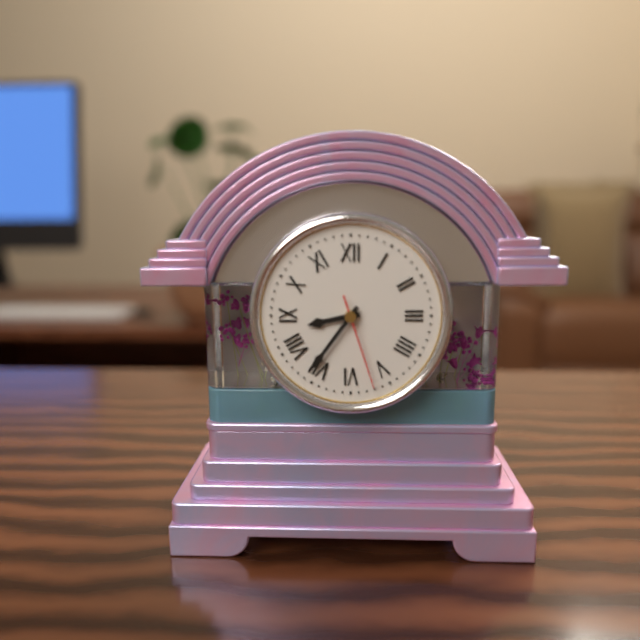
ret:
8:36:27
